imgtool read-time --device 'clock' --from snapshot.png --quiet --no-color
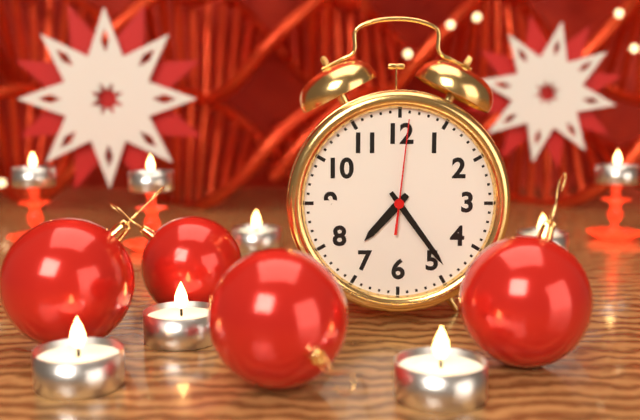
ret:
7:24:01
